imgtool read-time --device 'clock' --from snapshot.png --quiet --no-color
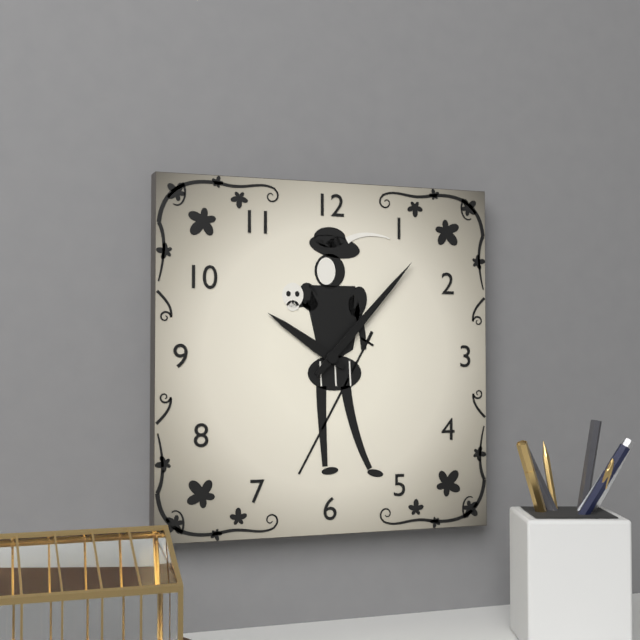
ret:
10:07
